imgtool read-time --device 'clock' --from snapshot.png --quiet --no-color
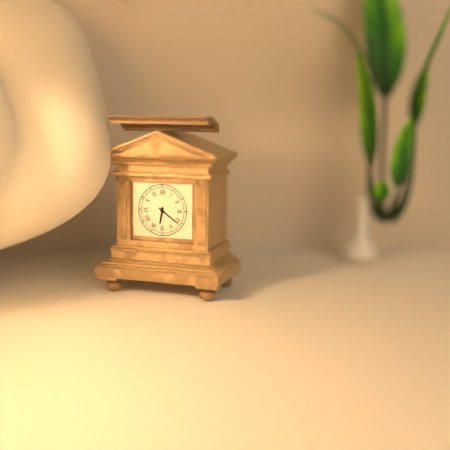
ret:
6:21
